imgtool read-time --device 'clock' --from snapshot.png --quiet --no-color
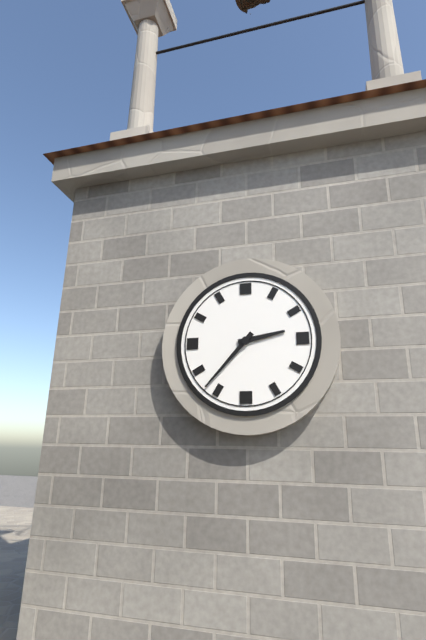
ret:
2:37
